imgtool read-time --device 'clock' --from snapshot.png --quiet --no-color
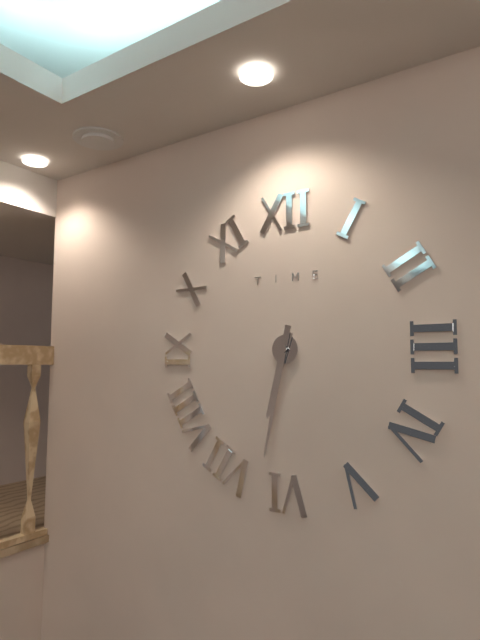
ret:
6:32
